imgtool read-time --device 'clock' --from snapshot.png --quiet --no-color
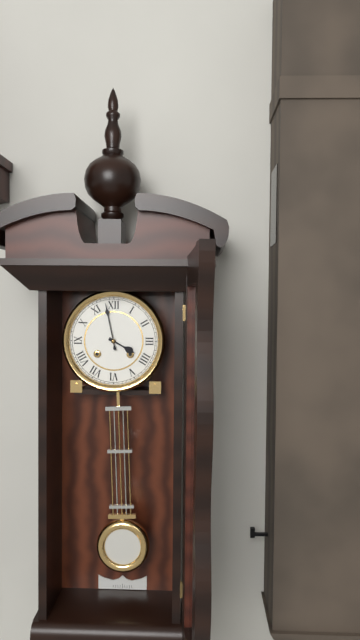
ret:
3:58
